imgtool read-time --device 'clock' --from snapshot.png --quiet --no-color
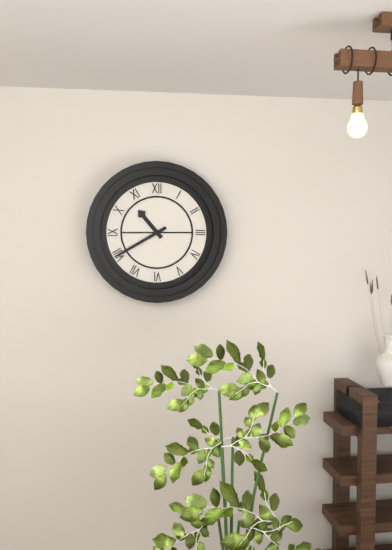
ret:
10:40
